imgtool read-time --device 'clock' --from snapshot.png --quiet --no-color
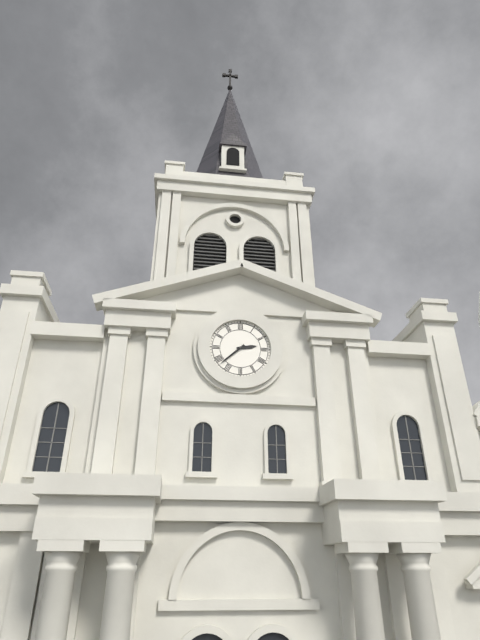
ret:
2:38
